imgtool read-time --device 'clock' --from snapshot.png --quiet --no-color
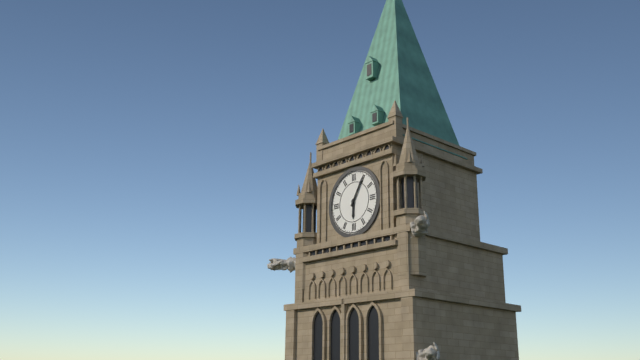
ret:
6:05
